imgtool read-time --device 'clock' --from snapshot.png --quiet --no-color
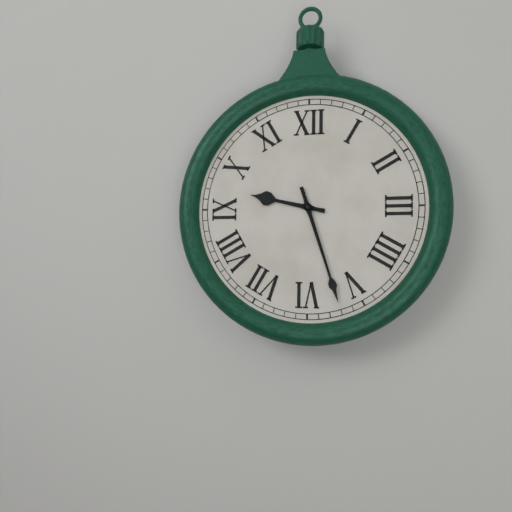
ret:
9:27
